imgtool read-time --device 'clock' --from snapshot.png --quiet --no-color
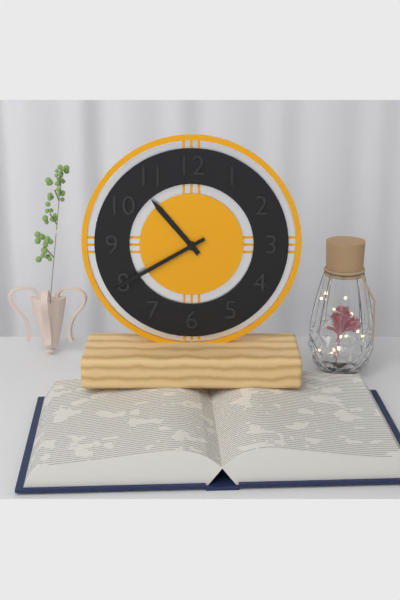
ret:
10:40
